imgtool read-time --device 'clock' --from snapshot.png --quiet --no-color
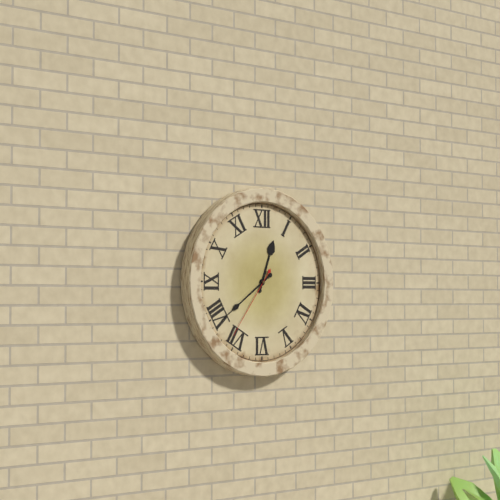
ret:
12:39:36
